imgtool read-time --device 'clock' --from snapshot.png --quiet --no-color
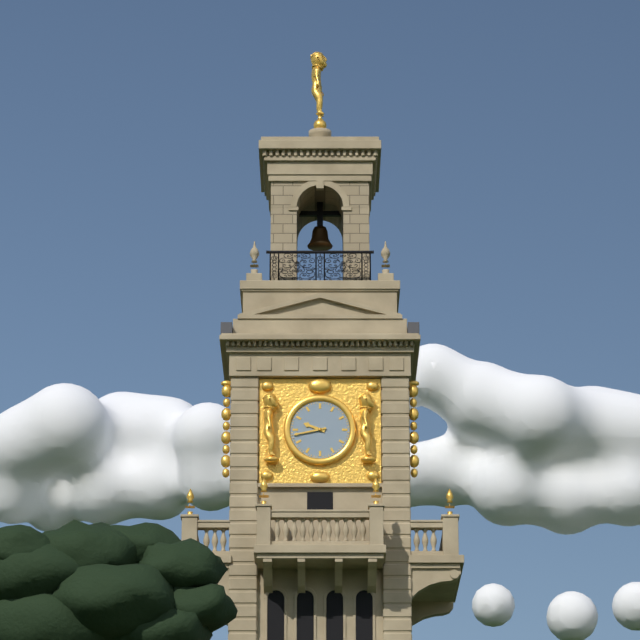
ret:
9:43
